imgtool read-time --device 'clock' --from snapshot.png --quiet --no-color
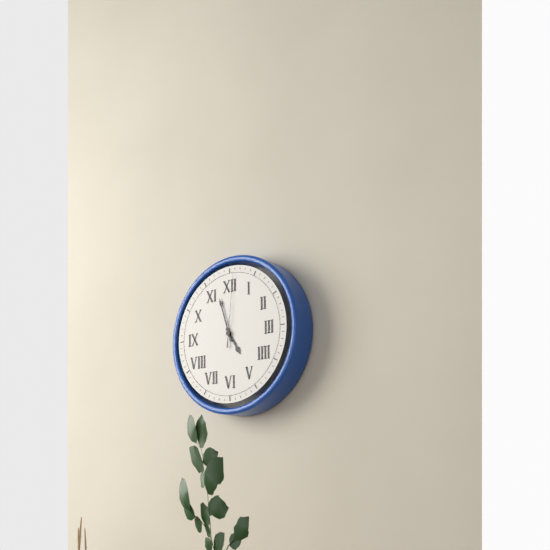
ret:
4:57:01
